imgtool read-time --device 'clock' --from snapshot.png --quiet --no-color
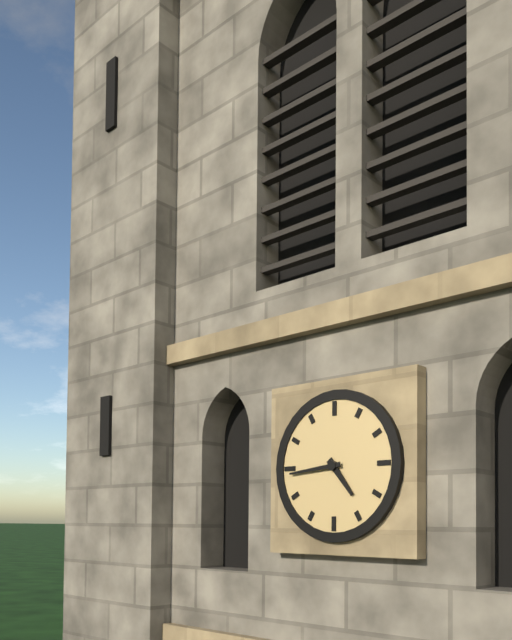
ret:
4:44
